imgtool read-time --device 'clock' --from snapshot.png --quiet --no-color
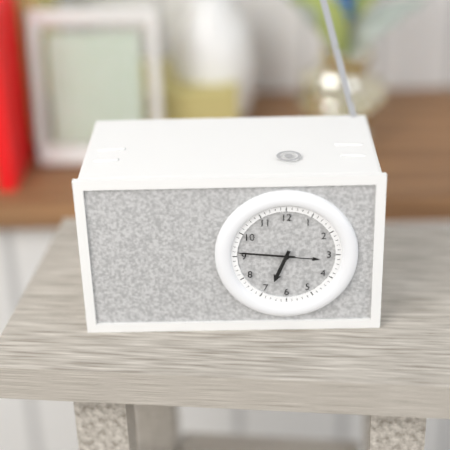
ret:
6:46
